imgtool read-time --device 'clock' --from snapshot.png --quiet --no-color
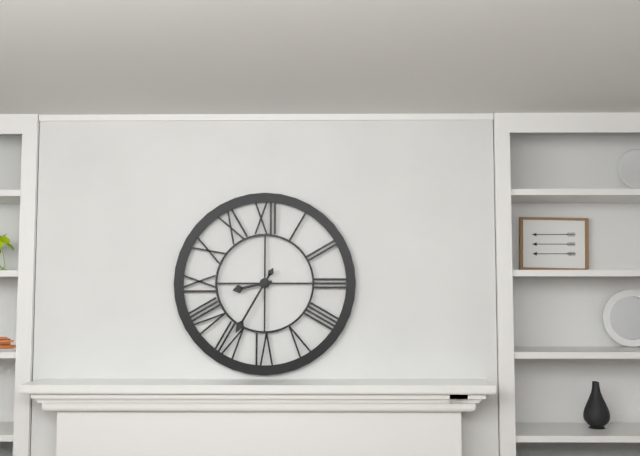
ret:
8:35
